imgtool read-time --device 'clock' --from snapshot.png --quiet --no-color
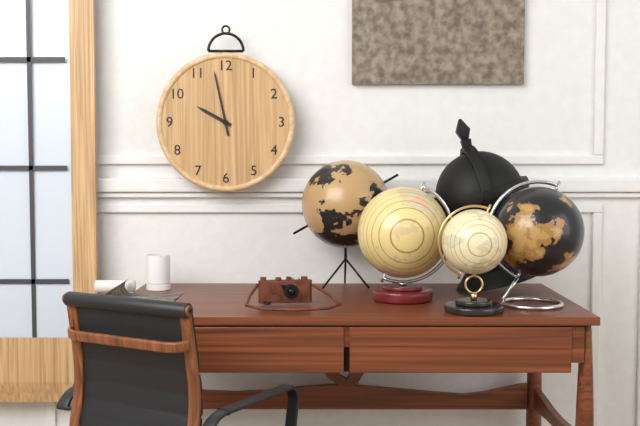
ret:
9:58
